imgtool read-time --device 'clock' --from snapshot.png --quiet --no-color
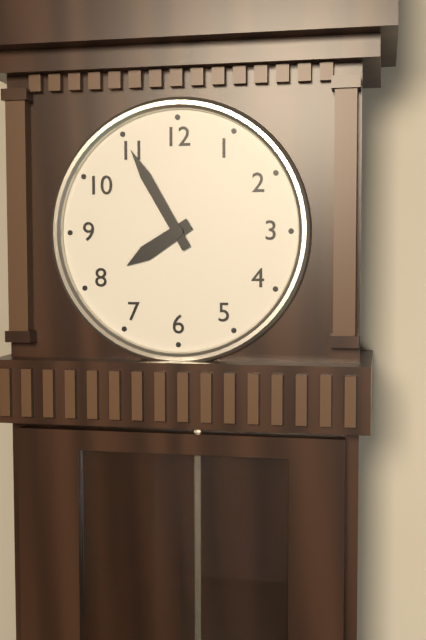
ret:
7:55
